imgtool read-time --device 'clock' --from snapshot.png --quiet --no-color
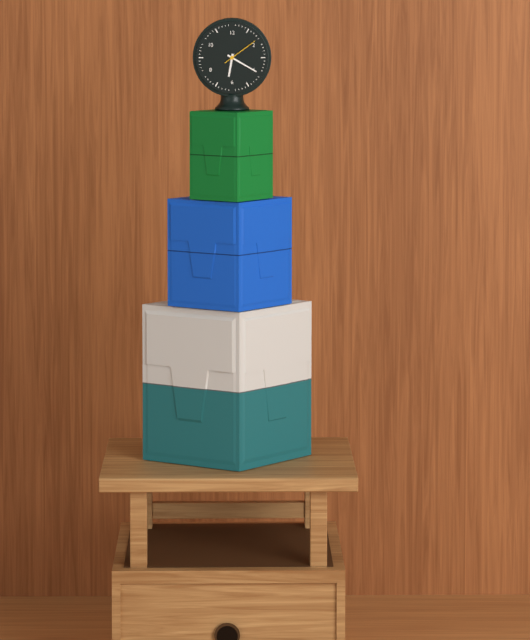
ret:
6:20
